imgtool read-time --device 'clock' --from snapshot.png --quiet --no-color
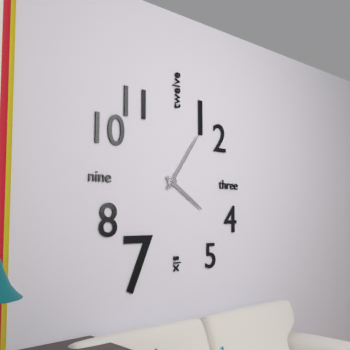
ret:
4:06
